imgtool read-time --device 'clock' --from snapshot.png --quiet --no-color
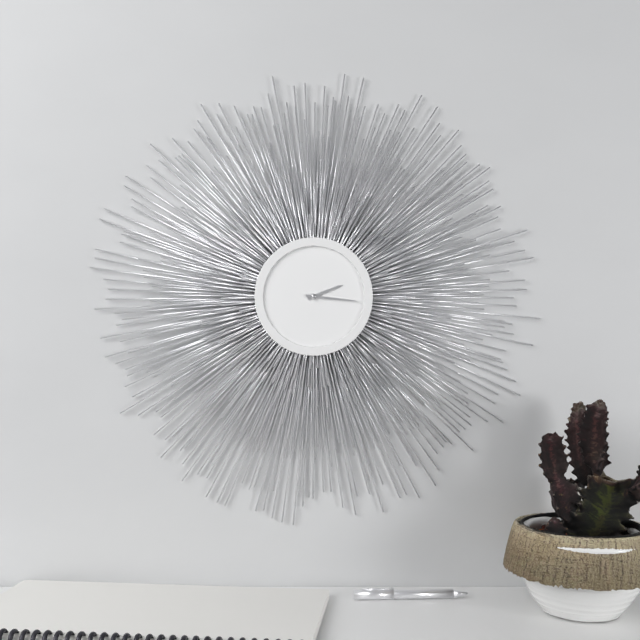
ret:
2:16
